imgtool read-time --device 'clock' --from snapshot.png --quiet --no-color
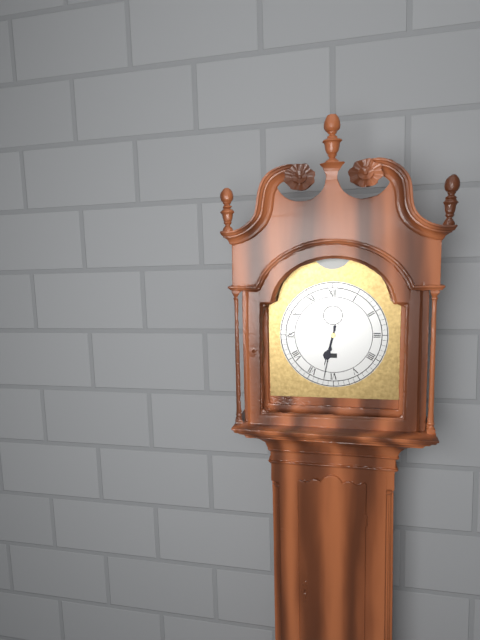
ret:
6:32
